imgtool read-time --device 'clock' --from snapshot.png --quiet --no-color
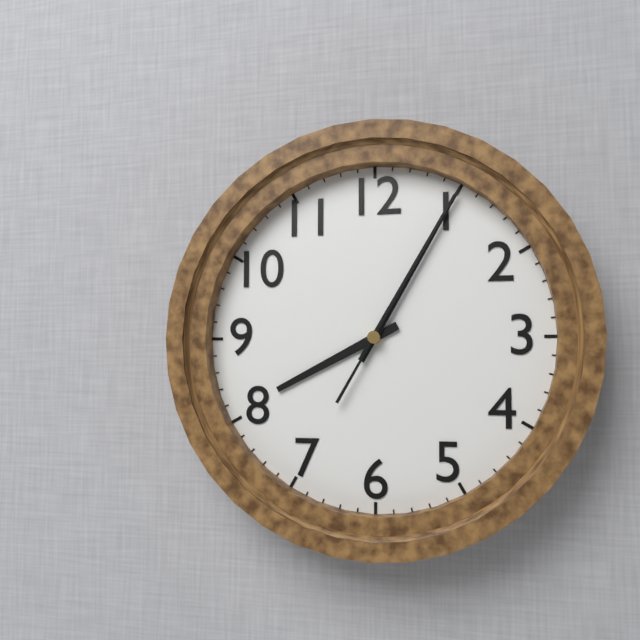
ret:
8:05:05
